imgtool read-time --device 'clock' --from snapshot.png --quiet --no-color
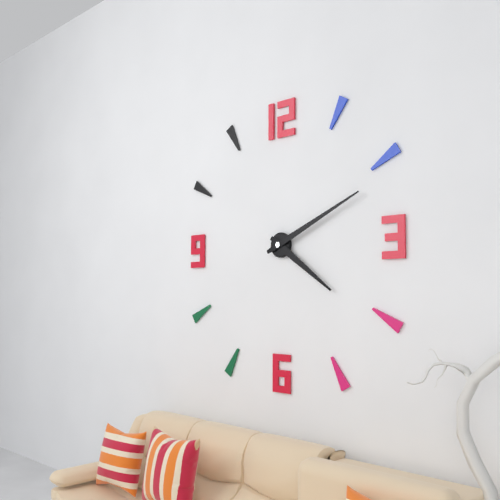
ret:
4:11
